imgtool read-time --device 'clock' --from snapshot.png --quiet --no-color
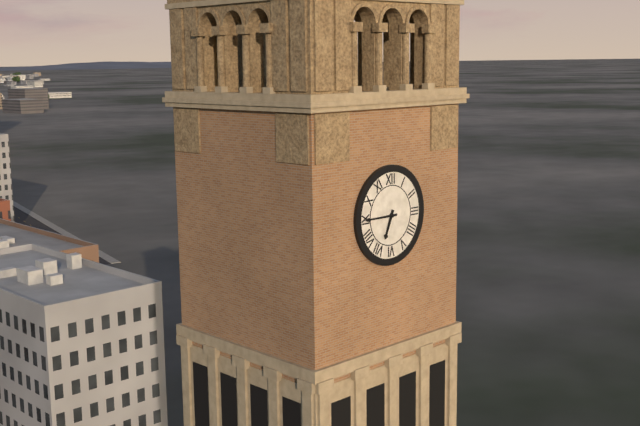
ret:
6:45
